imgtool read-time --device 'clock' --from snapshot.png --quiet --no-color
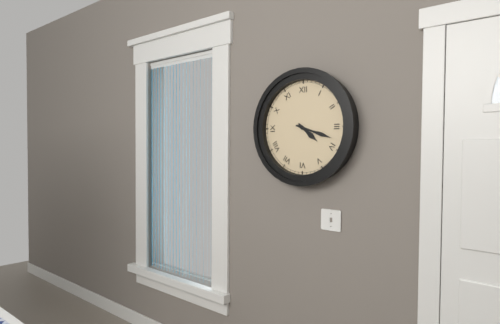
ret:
4:18
